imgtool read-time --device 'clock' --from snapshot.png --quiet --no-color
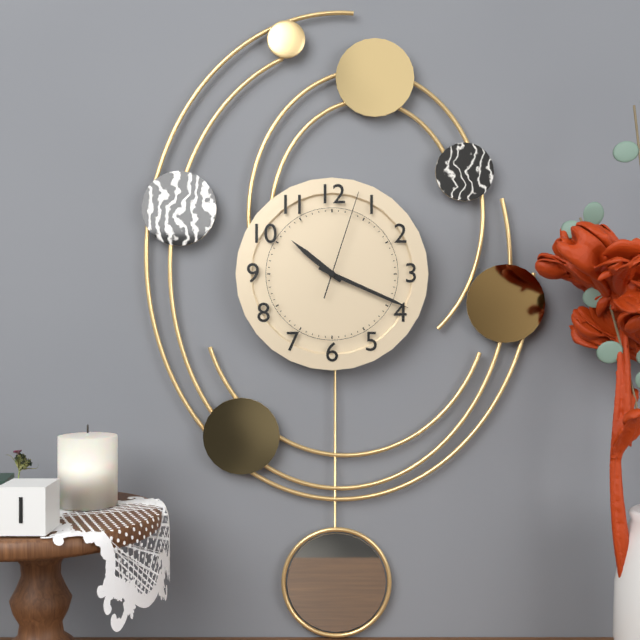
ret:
10:19:03
